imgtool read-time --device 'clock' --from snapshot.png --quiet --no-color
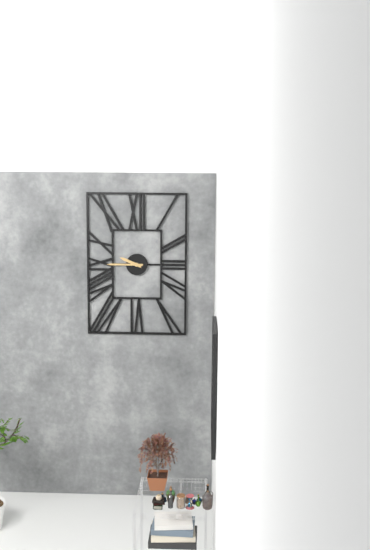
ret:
9:45
